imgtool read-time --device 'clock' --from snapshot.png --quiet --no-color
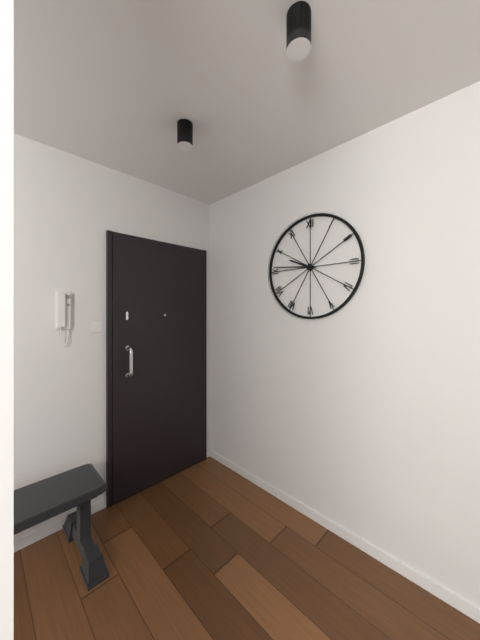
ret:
9:46
